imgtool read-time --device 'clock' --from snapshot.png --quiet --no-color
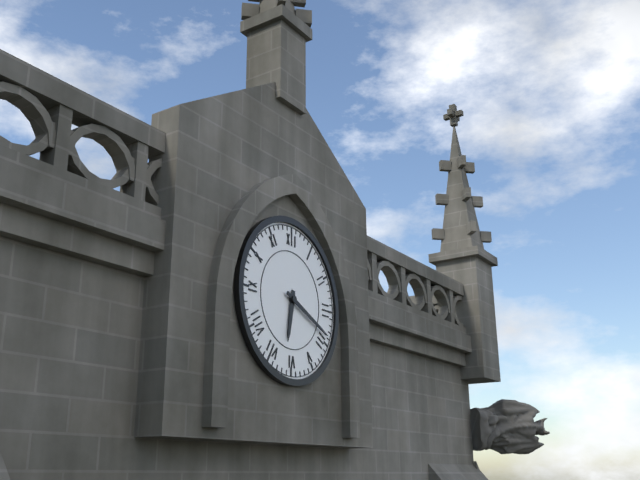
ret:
6:19
